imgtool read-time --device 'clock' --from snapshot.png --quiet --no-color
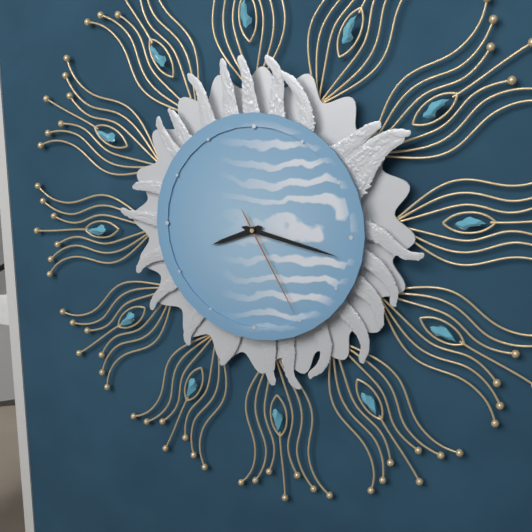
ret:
8:17:25
